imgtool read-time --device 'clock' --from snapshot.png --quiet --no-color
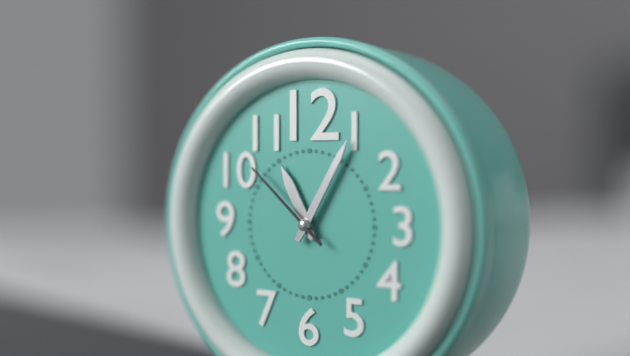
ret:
11:05:52
